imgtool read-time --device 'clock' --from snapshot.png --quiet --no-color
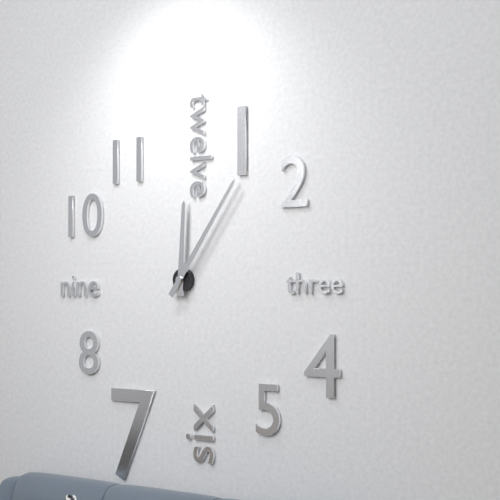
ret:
12:06
